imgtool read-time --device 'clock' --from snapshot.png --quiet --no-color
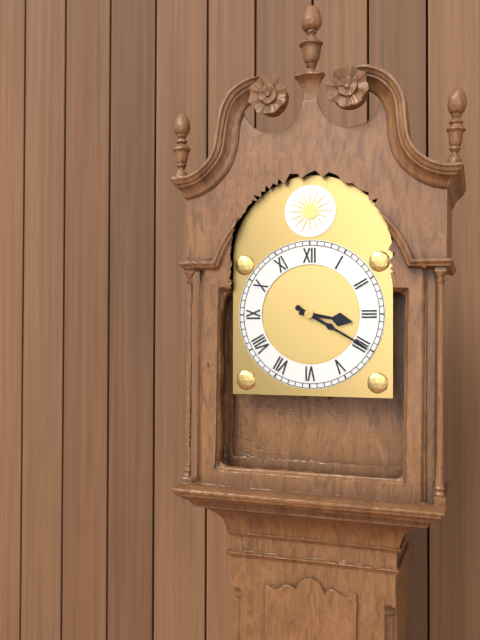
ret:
3:20
